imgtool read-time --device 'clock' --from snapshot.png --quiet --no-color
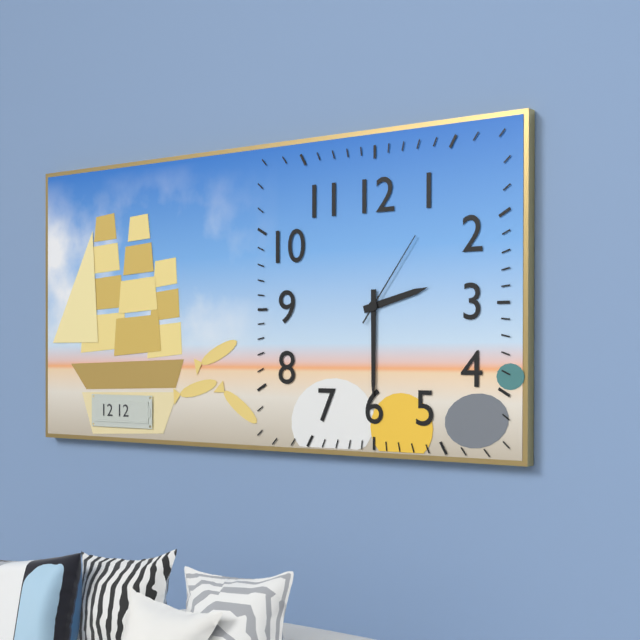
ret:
2:30:06
